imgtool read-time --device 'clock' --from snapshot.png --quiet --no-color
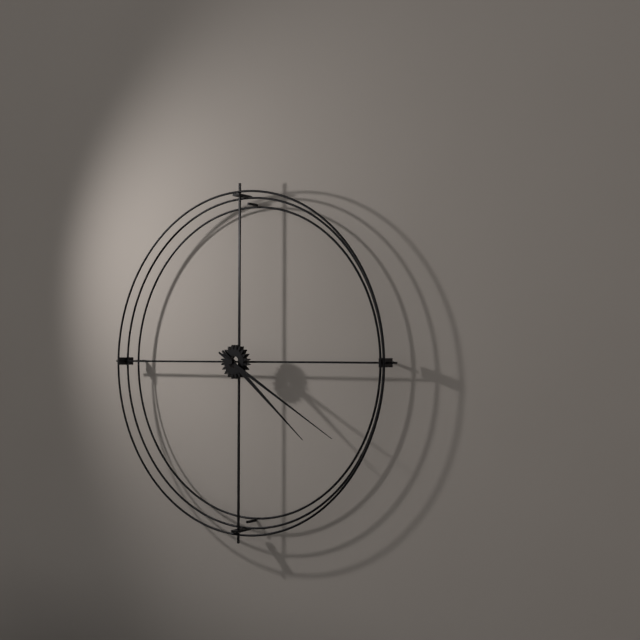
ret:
4:20
